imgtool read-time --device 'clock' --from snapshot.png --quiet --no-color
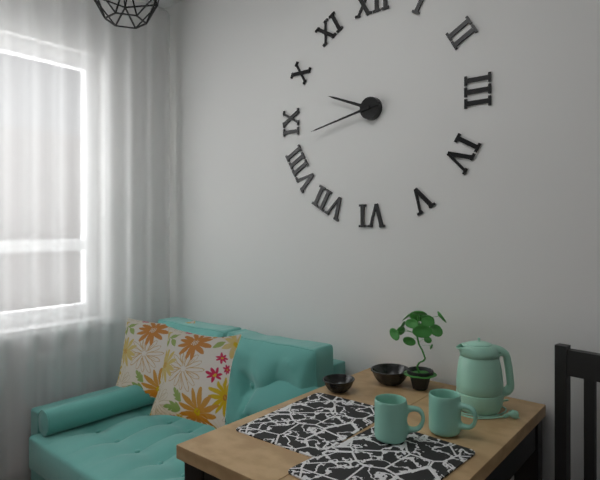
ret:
9:43
